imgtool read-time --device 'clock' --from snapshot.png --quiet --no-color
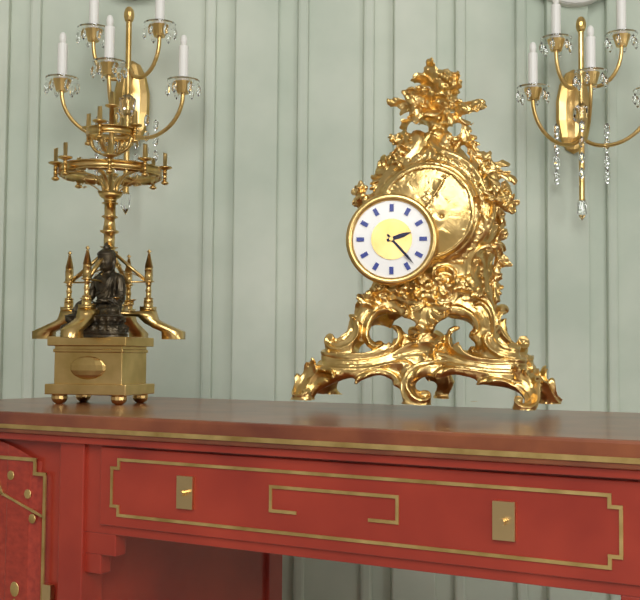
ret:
2:23
